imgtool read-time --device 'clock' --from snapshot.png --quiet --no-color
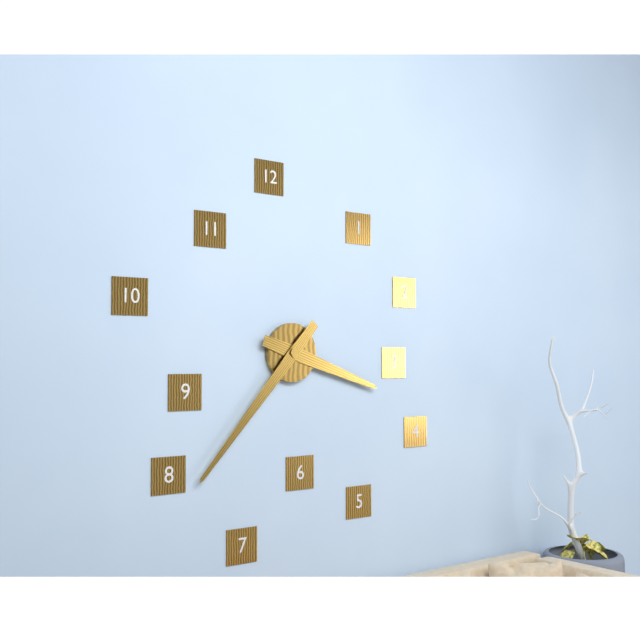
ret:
3:37
